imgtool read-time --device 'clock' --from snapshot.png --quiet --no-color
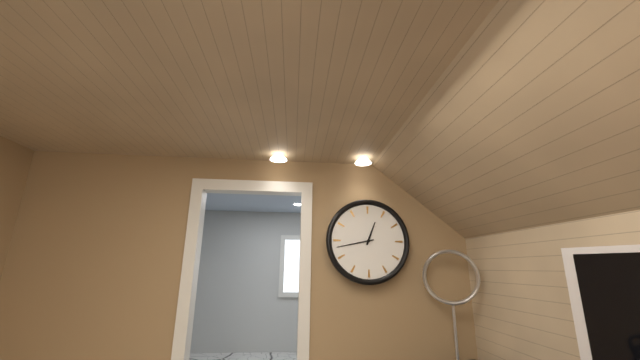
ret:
12:43
